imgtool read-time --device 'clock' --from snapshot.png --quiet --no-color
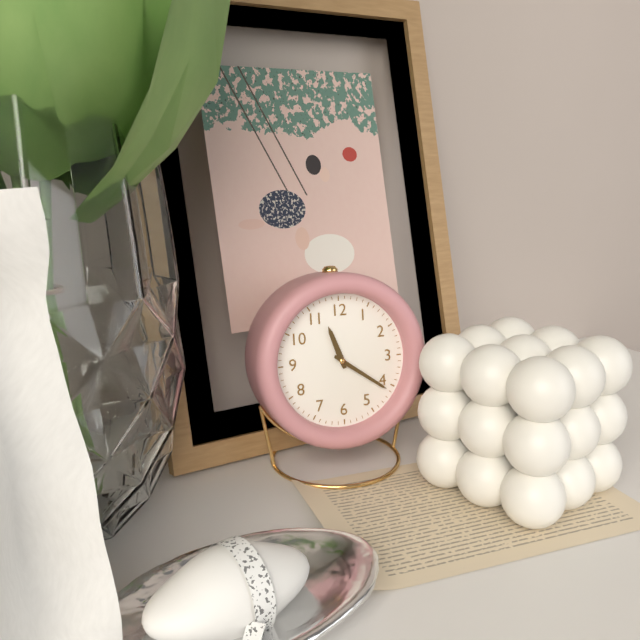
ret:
11:21
